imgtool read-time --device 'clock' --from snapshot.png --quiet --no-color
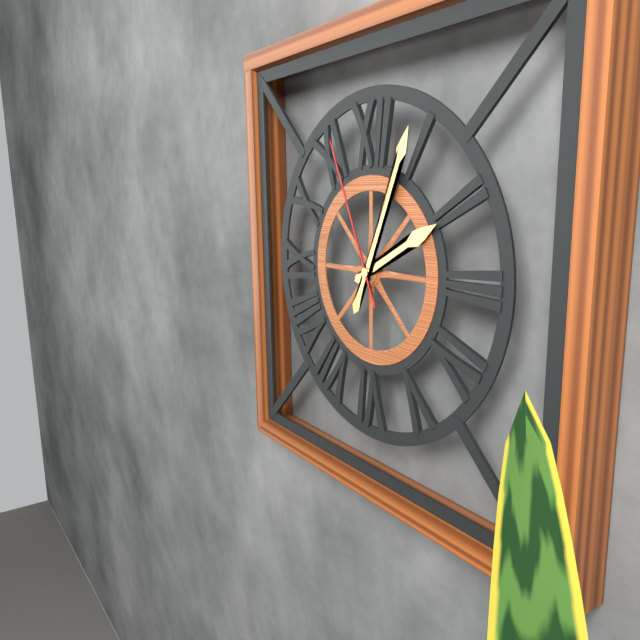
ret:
2:04:56
